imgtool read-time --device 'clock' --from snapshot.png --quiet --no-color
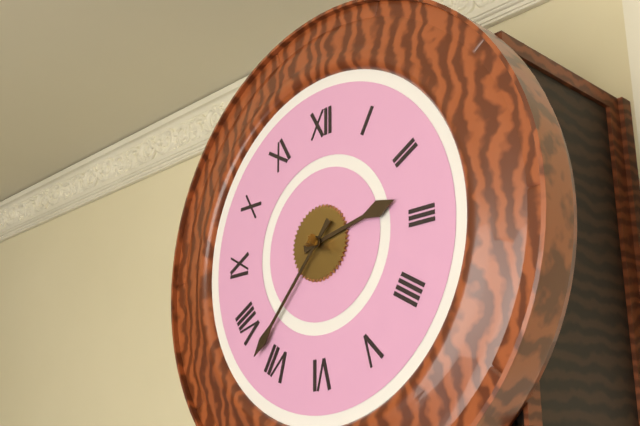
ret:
2:37
